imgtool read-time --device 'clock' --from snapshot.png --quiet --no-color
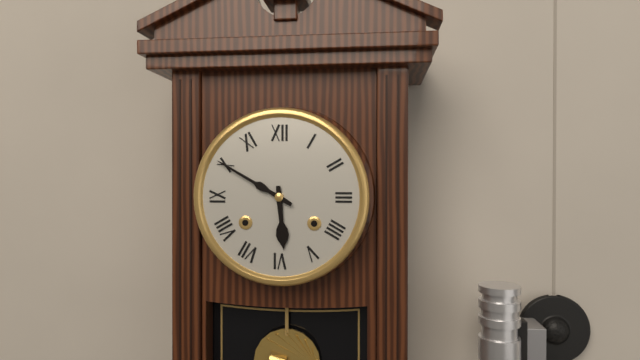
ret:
5:50
